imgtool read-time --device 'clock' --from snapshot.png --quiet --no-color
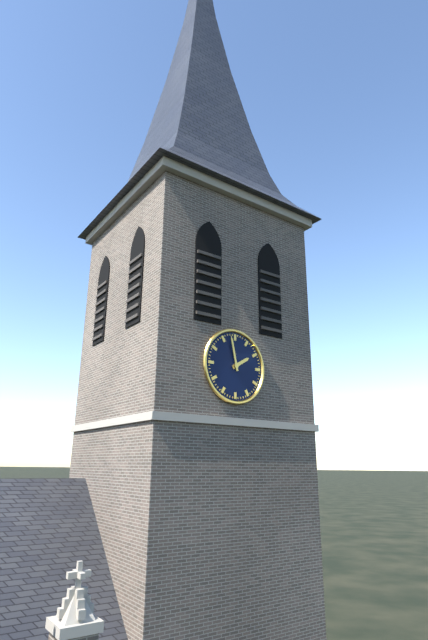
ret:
1:58
